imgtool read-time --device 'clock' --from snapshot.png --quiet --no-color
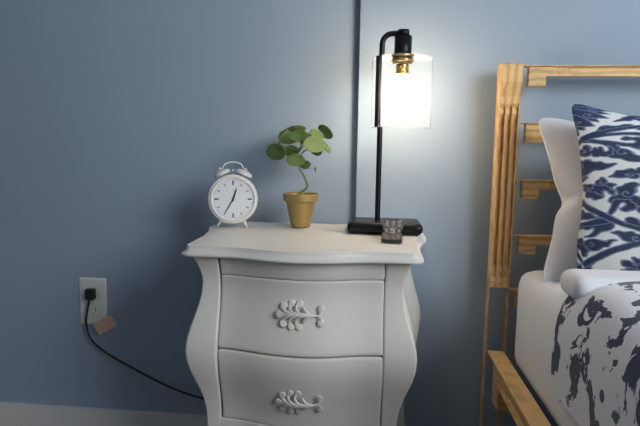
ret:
12:35
